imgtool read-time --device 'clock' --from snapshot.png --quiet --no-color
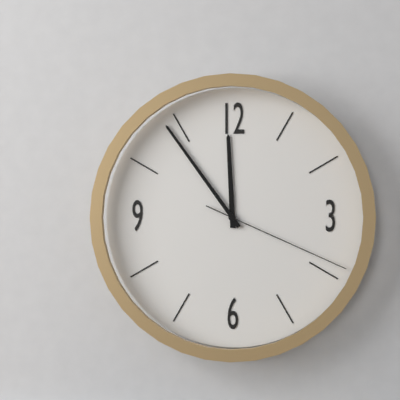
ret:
11:54:19
